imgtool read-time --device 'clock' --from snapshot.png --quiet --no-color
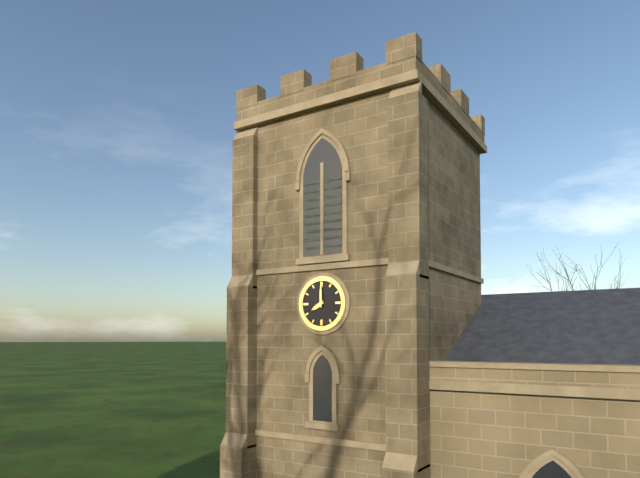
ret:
8:00
